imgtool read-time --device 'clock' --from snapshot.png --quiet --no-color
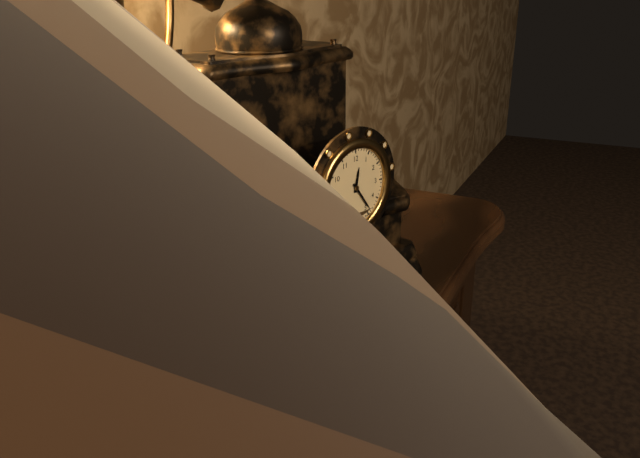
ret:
12:24
